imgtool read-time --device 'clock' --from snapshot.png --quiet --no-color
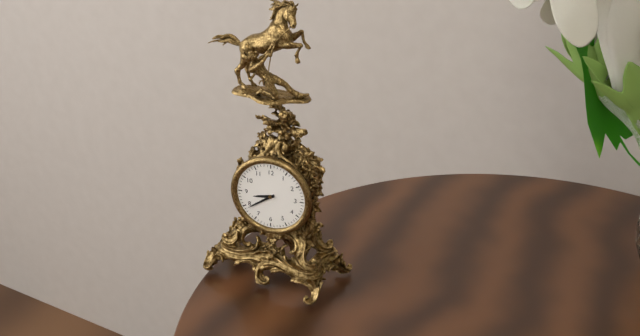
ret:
8:39
